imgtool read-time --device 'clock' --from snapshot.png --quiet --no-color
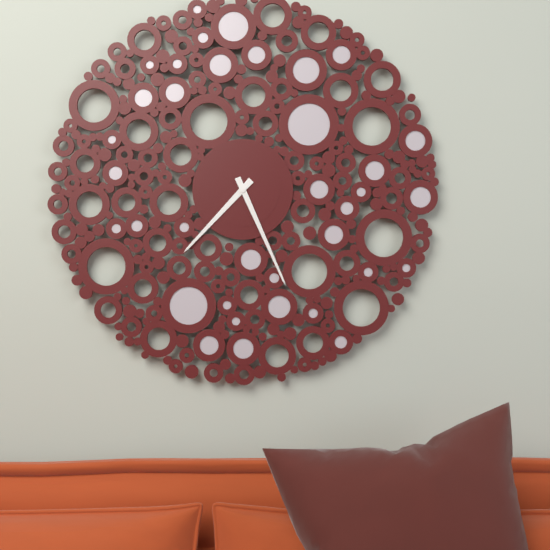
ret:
7:26
